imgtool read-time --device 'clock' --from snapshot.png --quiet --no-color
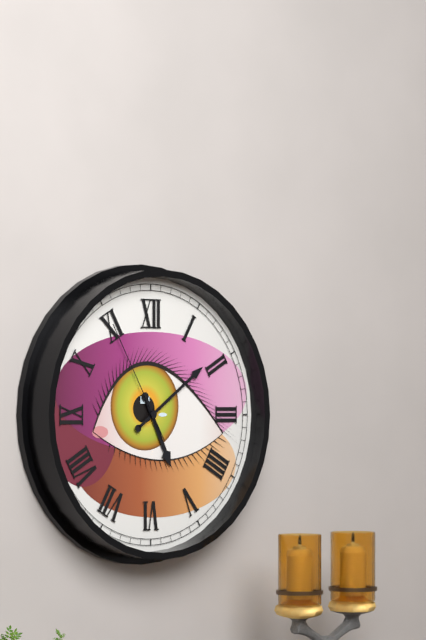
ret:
5:09:55
